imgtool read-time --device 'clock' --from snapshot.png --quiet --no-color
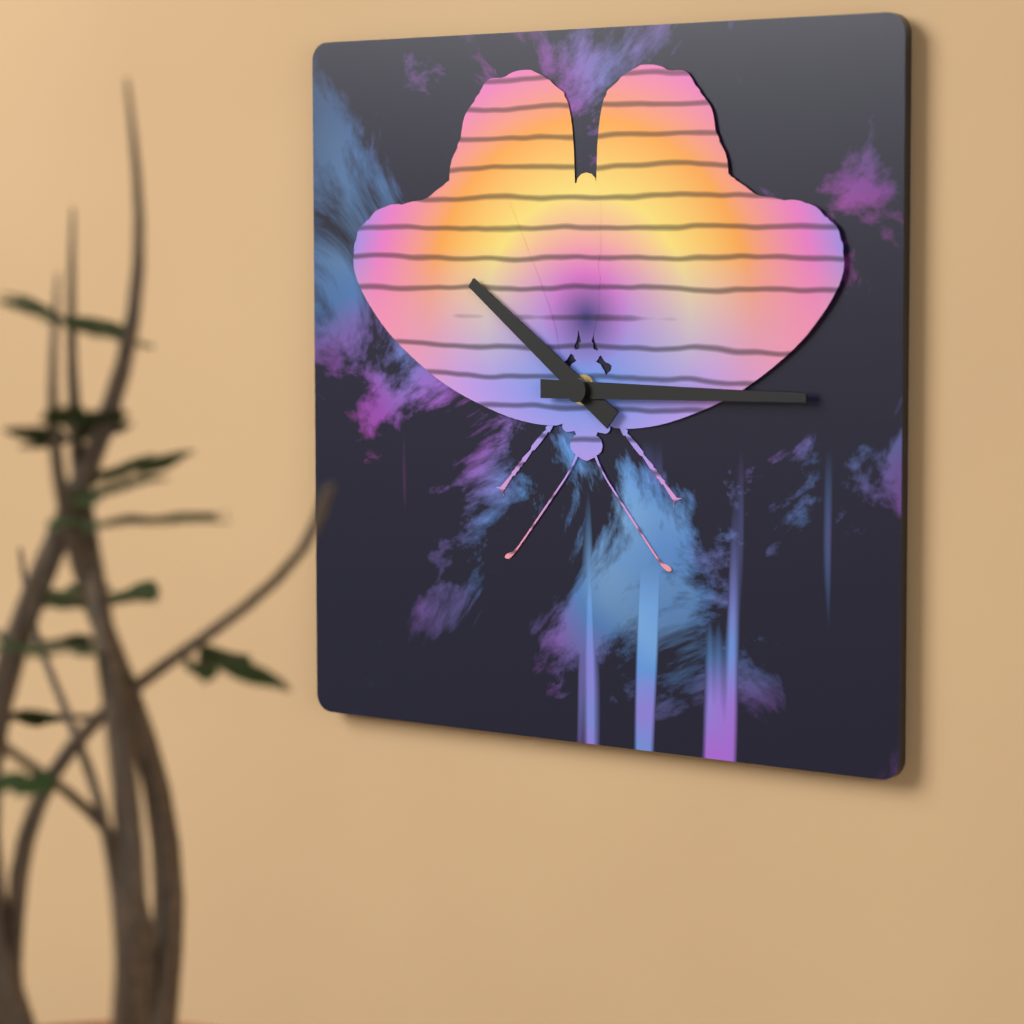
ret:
10:15
